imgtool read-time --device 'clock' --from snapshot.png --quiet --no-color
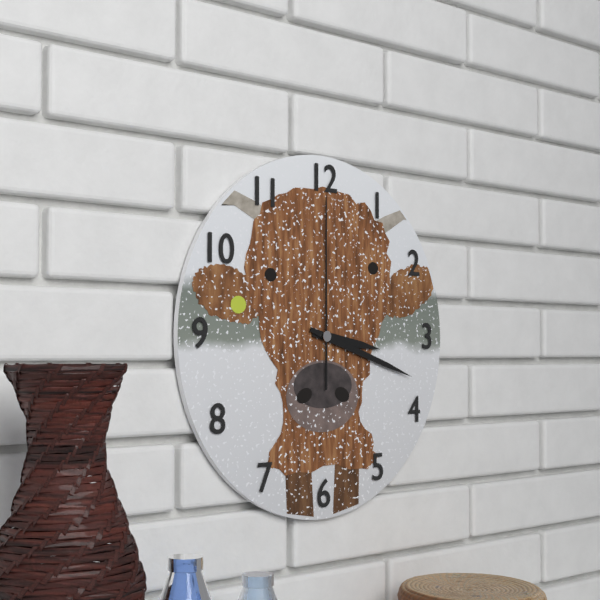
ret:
3:18:00
